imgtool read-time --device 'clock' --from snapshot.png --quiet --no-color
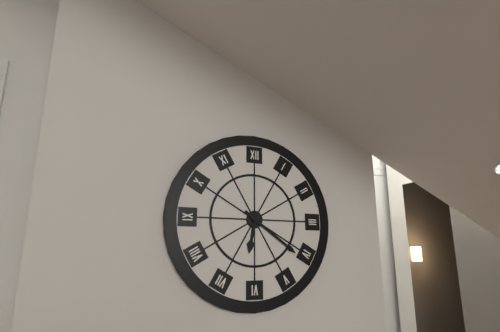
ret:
6:21
